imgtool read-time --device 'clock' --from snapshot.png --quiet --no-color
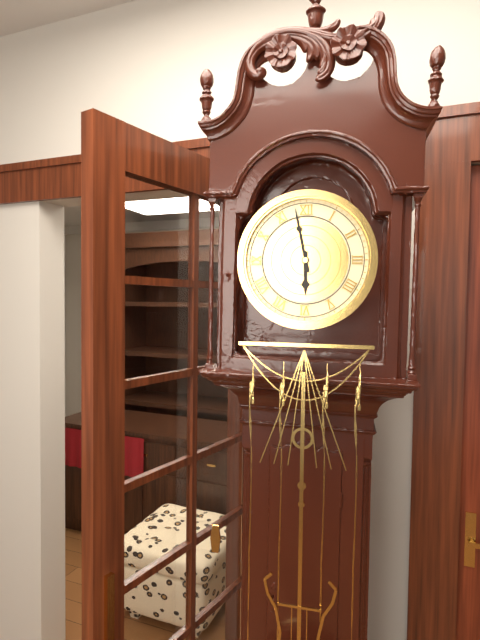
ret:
5:58
